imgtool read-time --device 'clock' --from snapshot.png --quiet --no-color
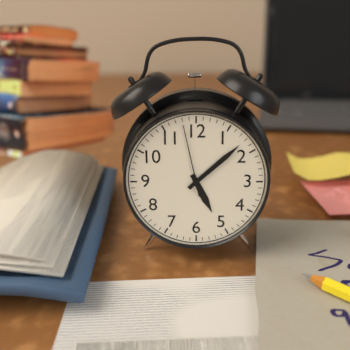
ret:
5:08:58
